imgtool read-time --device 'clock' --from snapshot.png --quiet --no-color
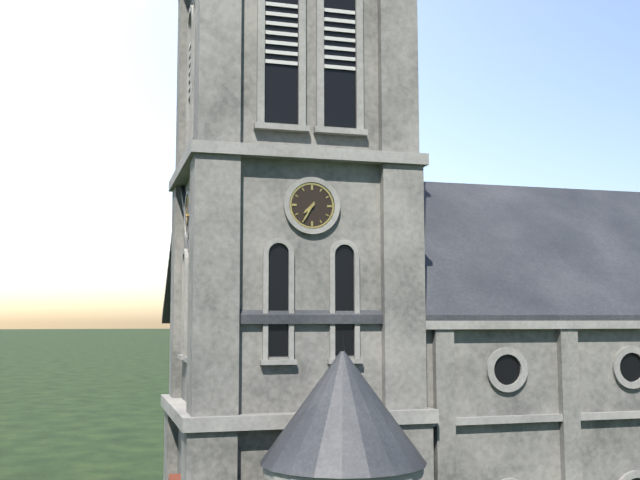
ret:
7:35
